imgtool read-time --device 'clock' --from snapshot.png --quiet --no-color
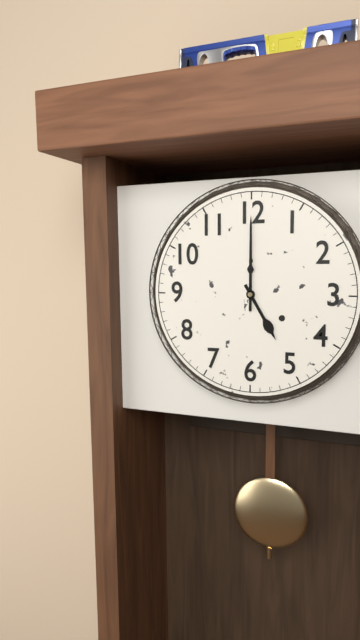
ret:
5:00
